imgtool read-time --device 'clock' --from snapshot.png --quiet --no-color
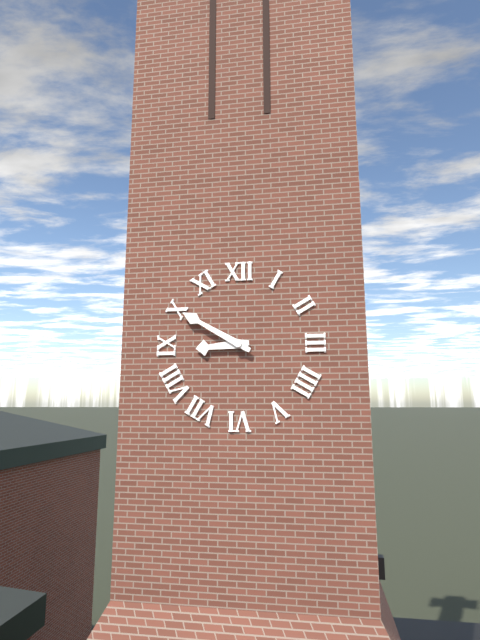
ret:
8:50
